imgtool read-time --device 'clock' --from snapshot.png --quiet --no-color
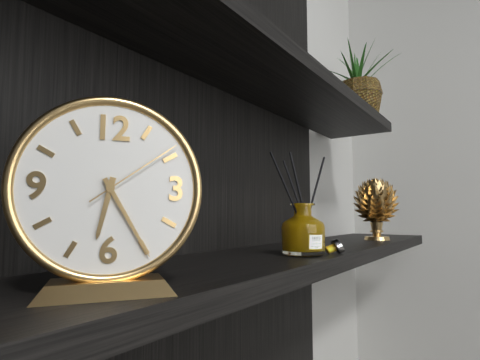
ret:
6:25:09
